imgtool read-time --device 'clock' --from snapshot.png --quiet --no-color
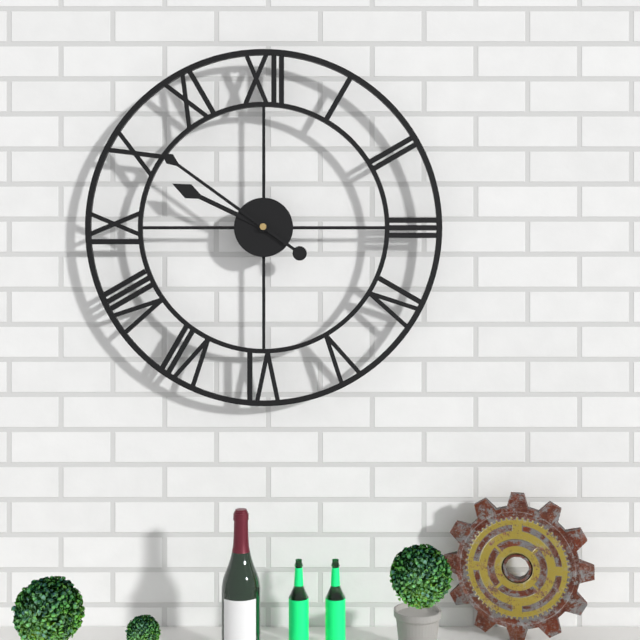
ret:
9:51
